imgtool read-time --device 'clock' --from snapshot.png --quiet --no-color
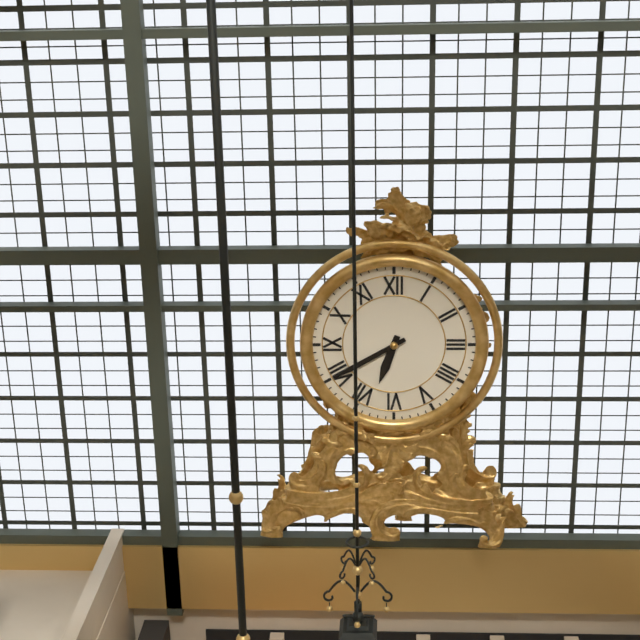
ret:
6:40
